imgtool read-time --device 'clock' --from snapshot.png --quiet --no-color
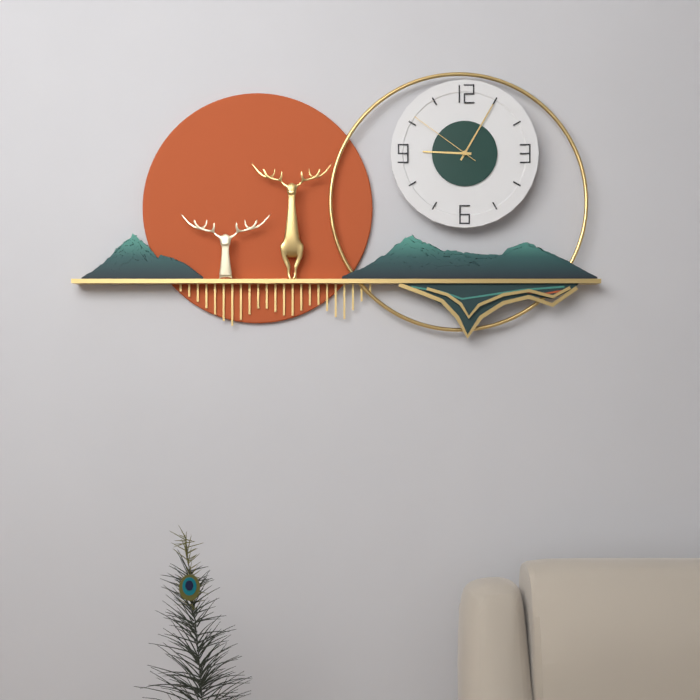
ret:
9:05:51
